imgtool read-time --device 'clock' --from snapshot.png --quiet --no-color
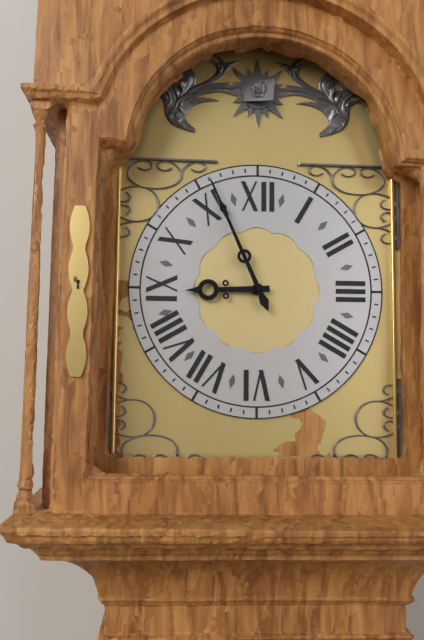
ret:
8:56
